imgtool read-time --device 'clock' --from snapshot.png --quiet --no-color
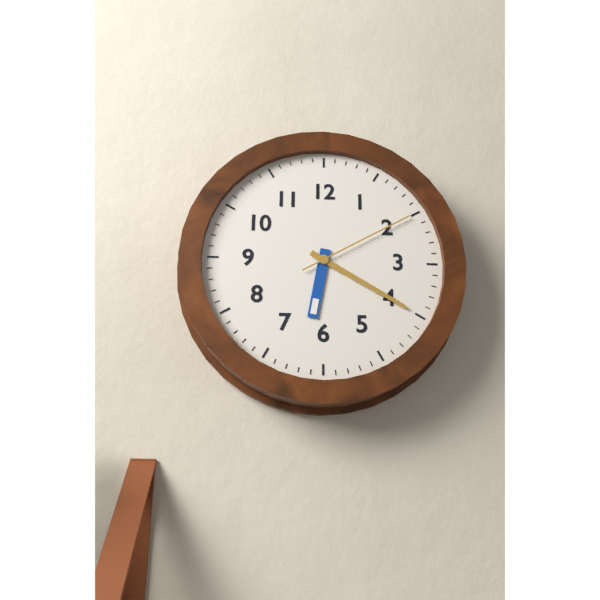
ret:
6:20:10
